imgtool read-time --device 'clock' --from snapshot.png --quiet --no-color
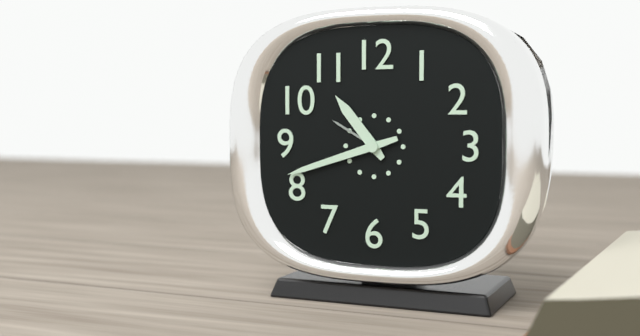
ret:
10:42
